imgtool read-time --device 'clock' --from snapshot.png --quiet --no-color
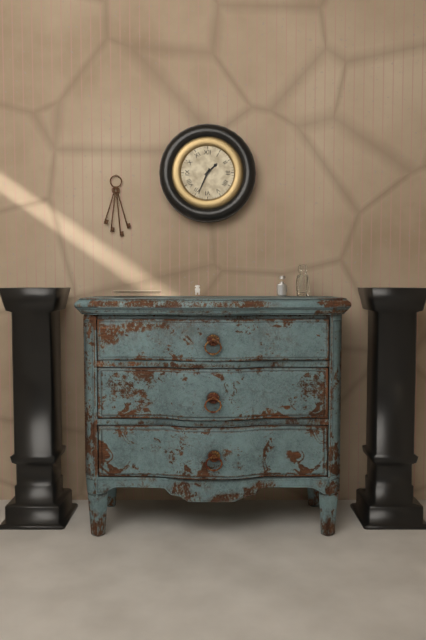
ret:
1:34
